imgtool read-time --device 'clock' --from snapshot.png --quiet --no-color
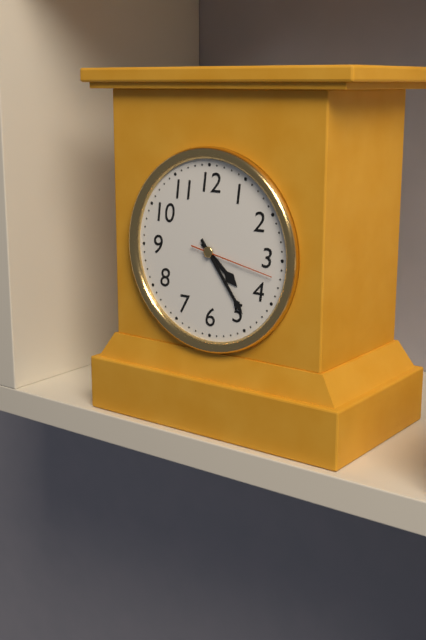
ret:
4:24:17
